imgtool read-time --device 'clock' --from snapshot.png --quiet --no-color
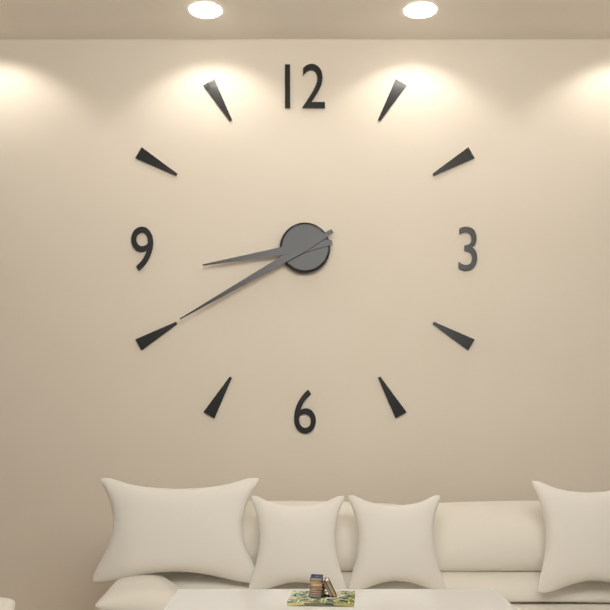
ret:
8:40
